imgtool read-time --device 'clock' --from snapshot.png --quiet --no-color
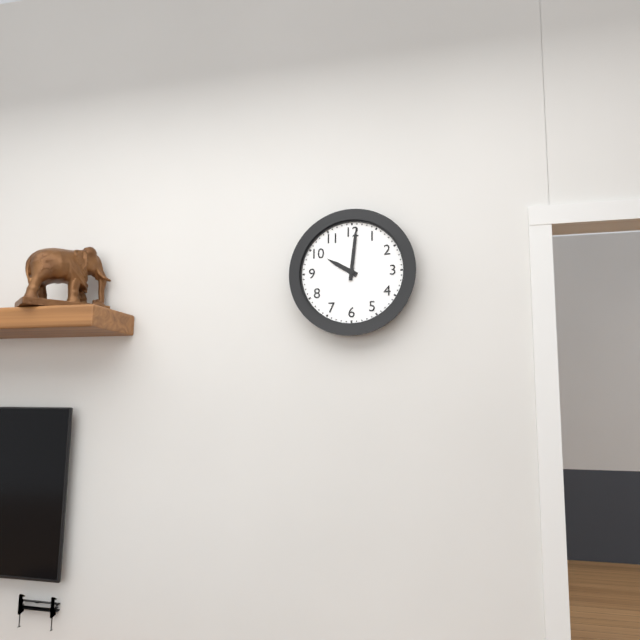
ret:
10:01
